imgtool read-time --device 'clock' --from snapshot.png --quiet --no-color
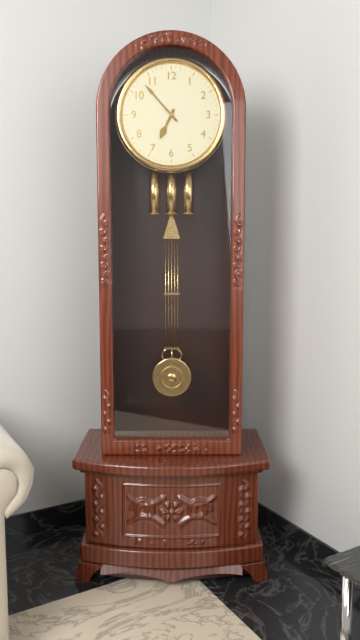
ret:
6:53
